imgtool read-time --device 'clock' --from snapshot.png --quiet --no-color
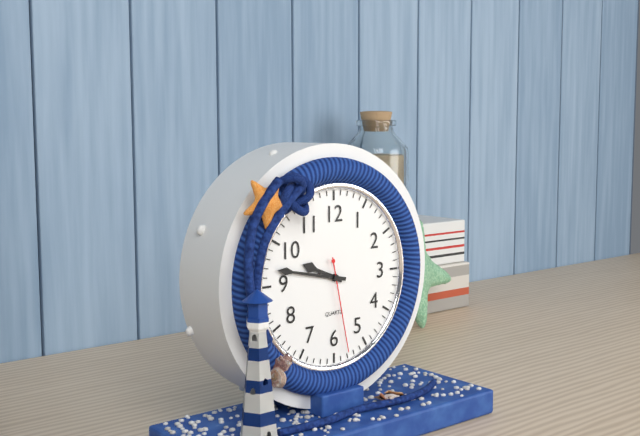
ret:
9:47:28
